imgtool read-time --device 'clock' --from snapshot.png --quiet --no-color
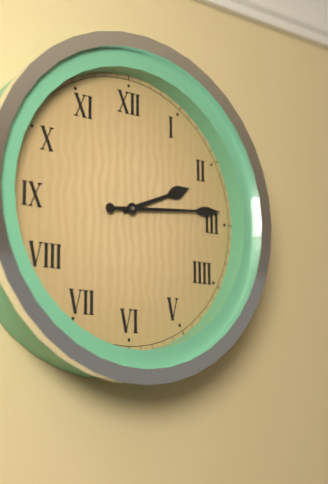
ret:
2:14
